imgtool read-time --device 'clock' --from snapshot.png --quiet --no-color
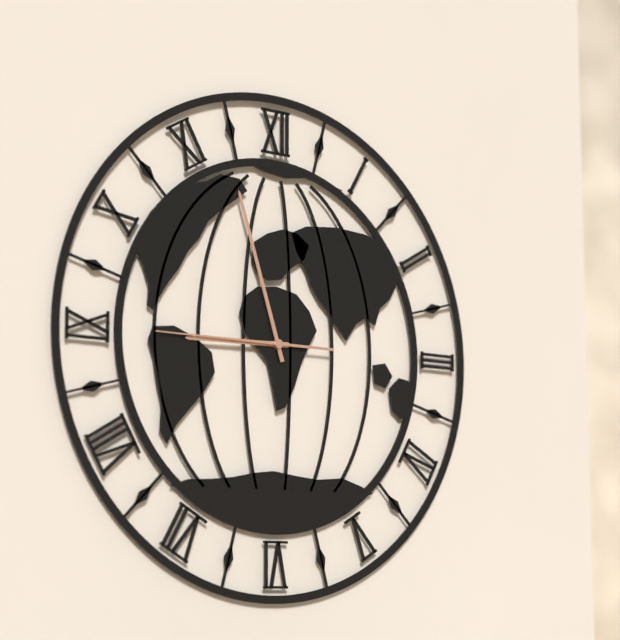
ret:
8:57:45
